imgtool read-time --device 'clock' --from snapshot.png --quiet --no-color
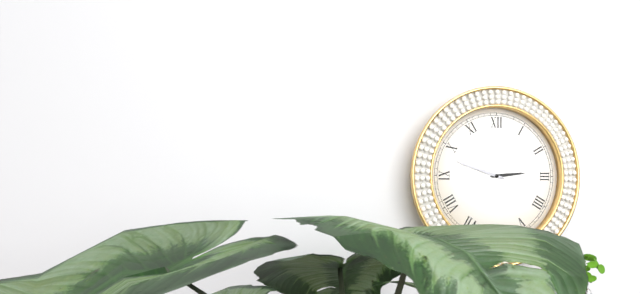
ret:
2:48
